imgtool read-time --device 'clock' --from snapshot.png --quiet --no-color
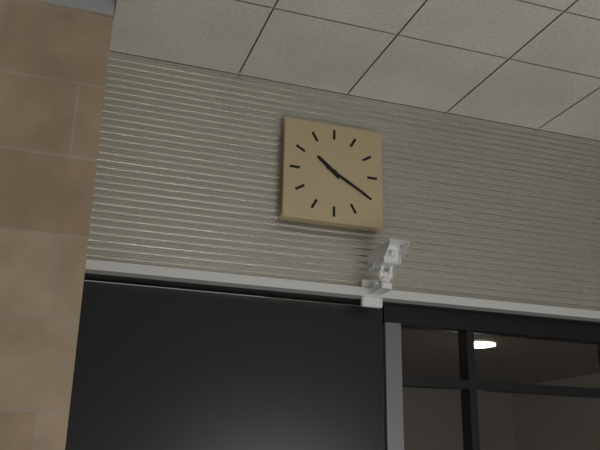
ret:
10:20
